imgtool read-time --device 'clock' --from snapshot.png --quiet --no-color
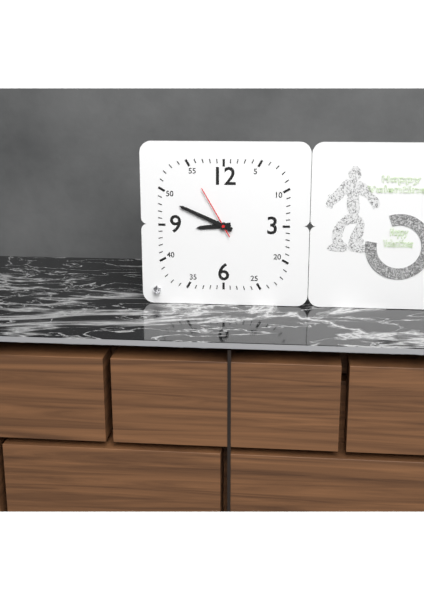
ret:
8:49:55
